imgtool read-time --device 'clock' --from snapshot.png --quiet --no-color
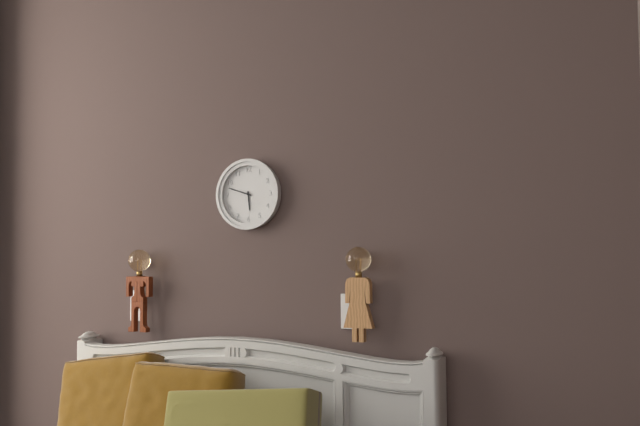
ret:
5:48
